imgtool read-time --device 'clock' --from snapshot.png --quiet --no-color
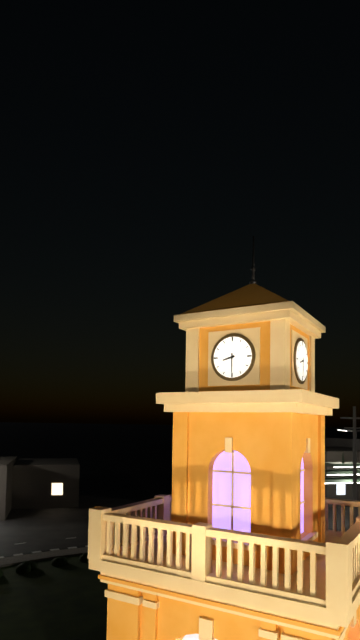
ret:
8:30
